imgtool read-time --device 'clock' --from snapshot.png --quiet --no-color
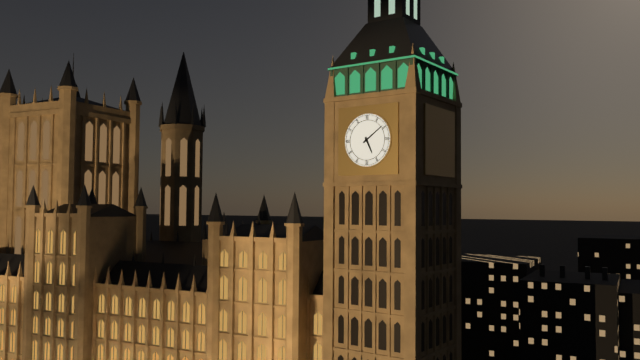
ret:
5:09
